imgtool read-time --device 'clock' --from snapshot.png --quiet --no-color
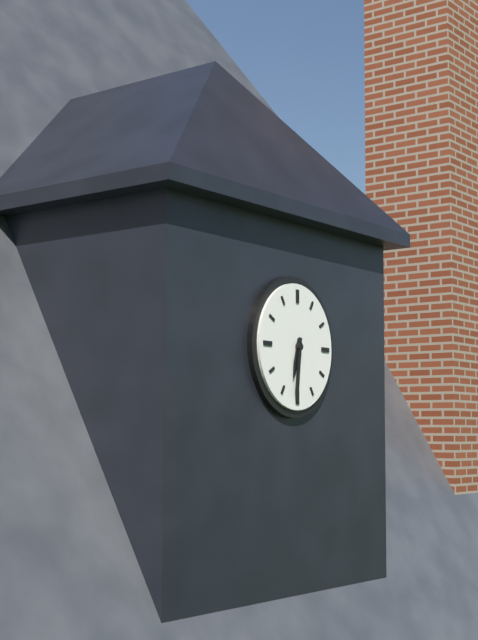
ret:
6:31
